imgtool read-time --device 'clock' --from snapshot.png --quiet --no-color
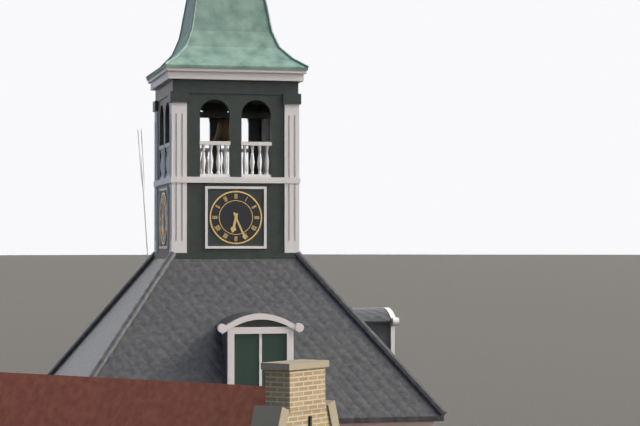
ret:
6:26
